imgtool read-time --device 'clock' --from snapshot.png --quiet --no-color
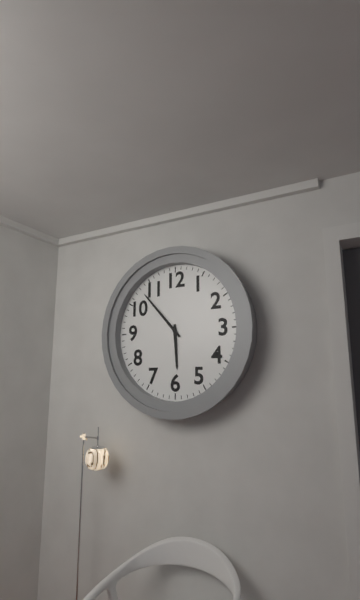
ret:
5:53
